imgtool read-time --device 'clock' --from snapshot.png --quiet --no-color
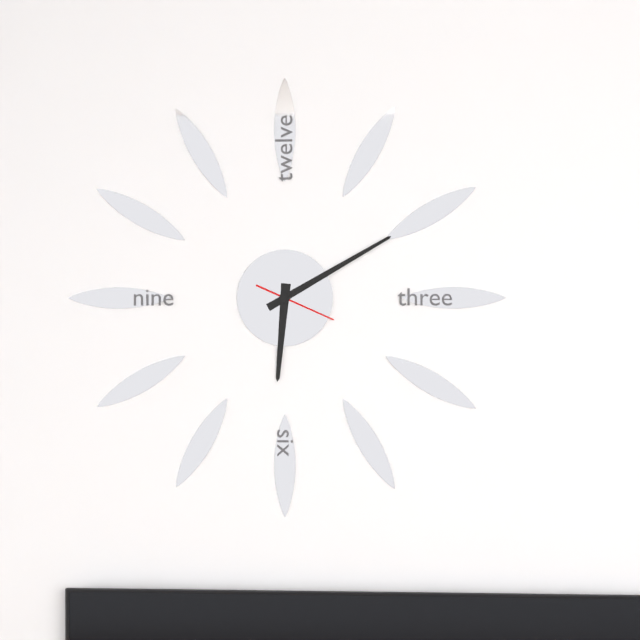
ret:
6:10:19
